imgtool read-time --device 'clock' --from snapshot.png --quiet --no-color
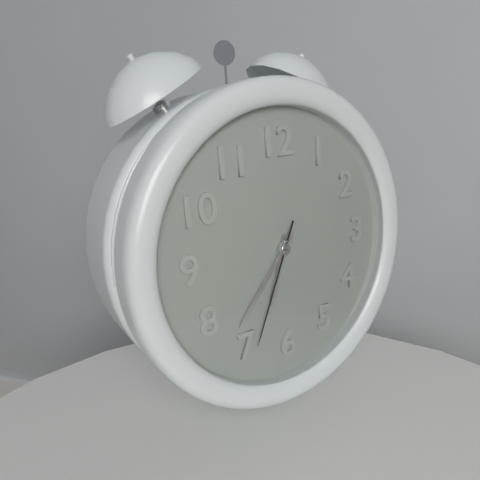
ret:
6:37:34
